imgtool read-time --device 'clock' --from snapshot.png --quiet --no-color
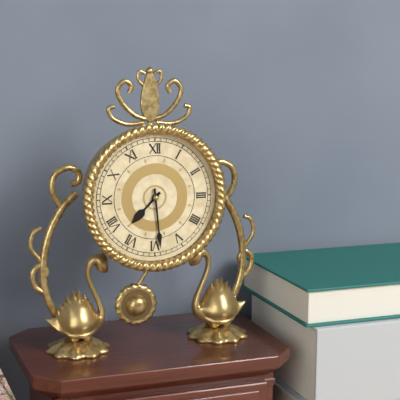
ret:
7:29
